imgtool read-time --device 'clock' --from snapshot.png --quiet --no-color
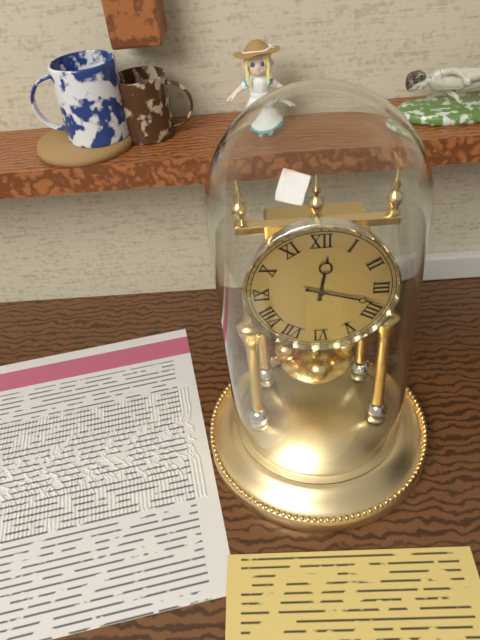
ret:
12:18
